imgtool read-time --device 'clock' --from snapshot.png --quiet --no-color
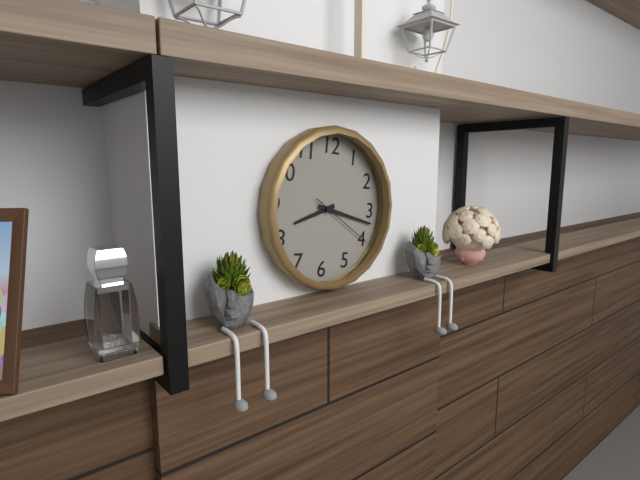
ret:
8:17:20
